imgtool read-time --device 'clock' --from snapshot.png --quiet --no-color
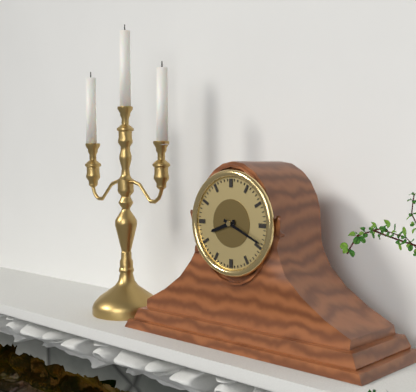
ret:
8:19
